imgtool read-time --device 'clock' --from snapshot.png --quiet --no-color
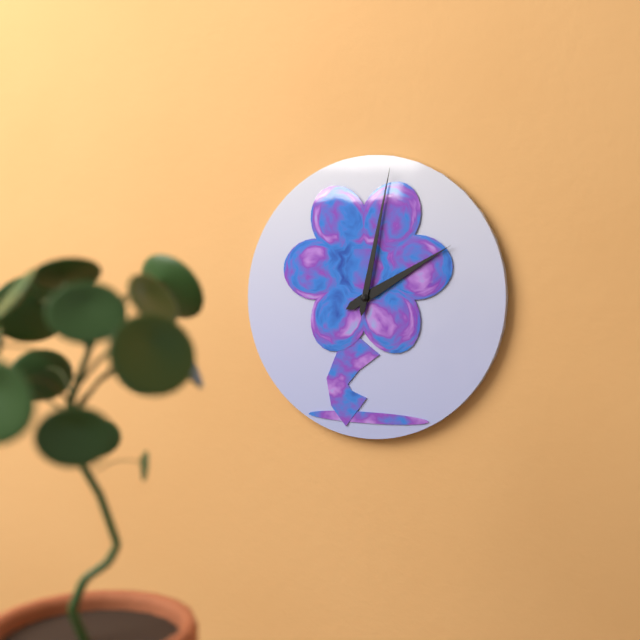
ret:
2:02
